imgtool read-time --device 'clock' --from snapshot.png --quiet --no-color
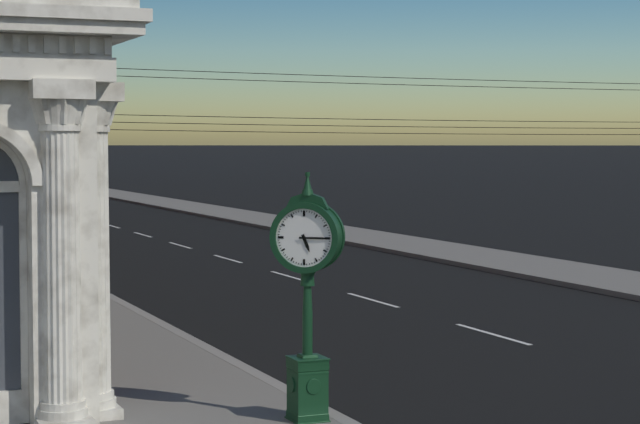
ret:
5:15
